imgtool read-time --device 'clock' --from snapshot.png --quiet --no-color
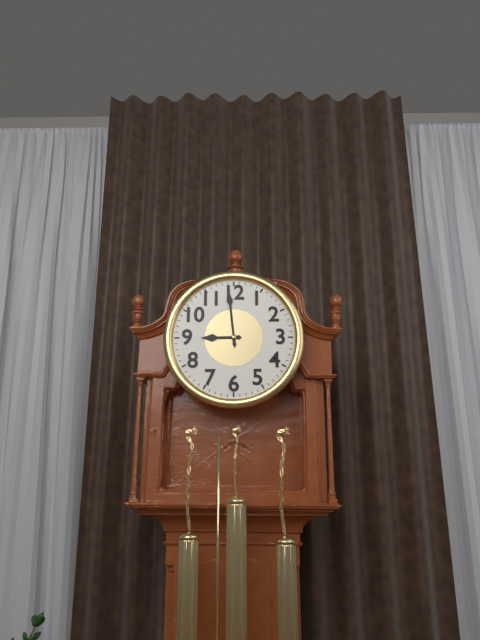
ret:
8:59
